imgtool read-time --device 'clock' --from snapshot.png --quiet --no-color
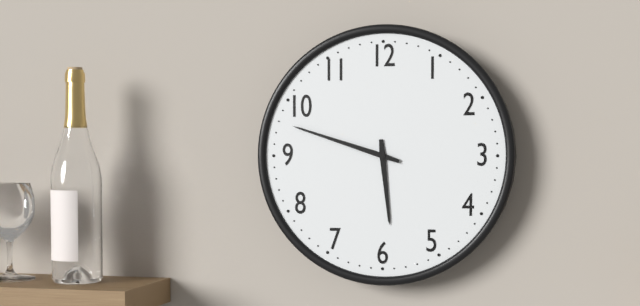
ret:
5:48
